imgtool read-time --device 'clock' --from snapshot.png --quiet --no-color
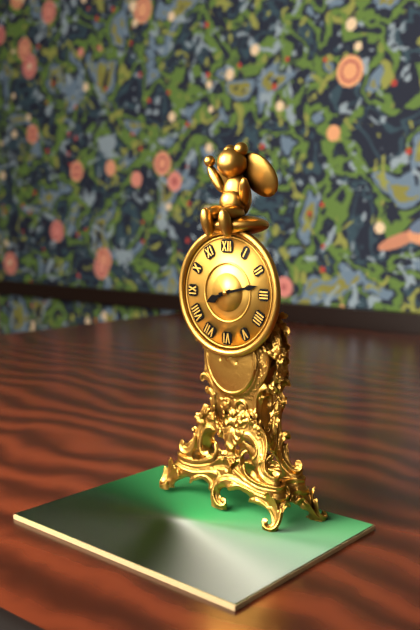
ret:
8:13
